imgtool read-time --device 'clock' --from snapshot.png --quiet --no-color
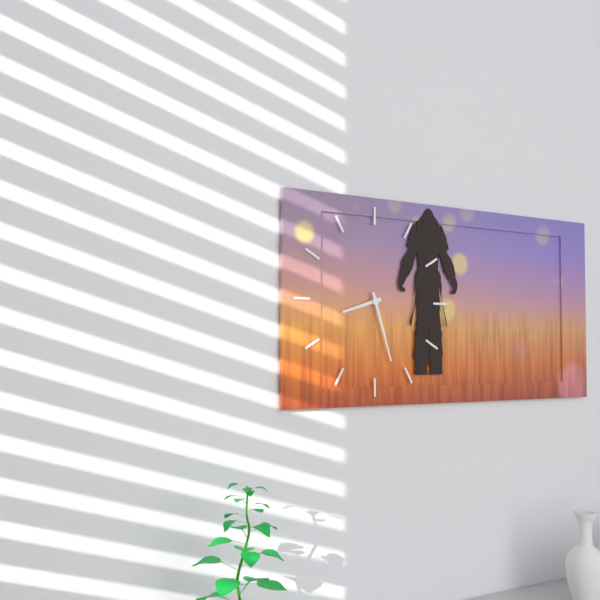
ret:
8:27
